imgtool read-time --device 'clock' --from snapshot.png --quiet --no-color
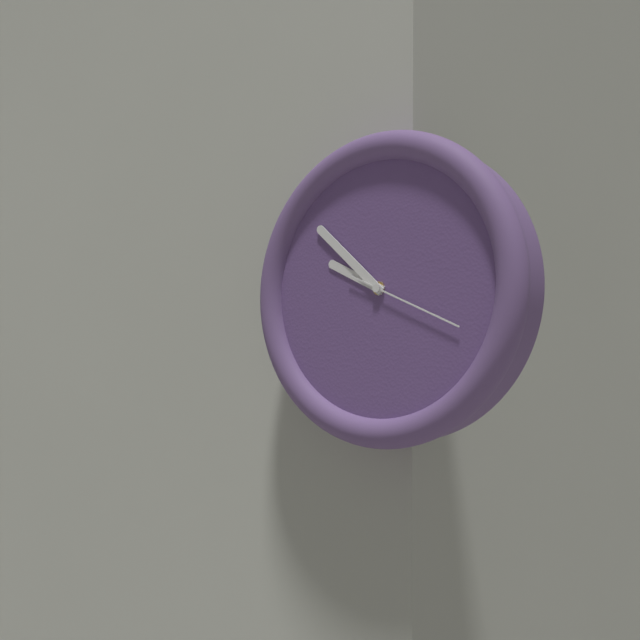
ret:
9:52:19
